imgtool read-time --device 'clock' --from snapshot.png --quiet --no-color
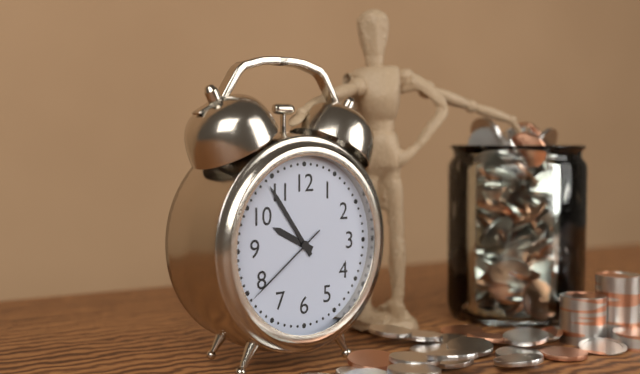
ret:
9:54:39
